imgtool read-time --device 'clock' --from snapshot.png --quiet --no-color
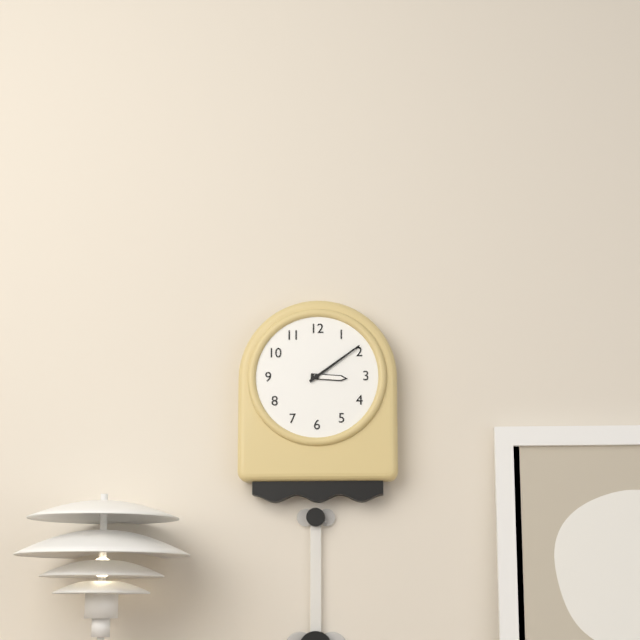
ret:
3:09
